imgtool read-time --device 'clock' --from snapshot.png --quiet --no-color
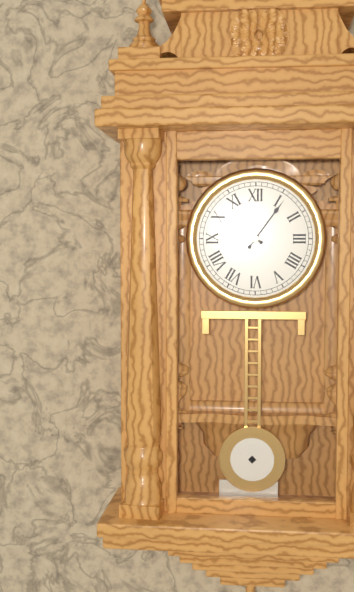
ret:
10:06
